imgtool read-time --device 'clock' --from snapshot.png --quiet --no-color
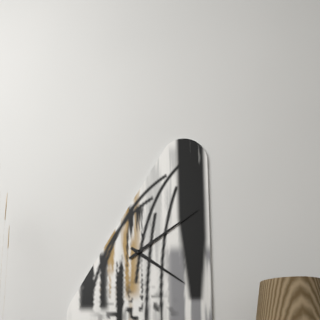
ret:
4:09
